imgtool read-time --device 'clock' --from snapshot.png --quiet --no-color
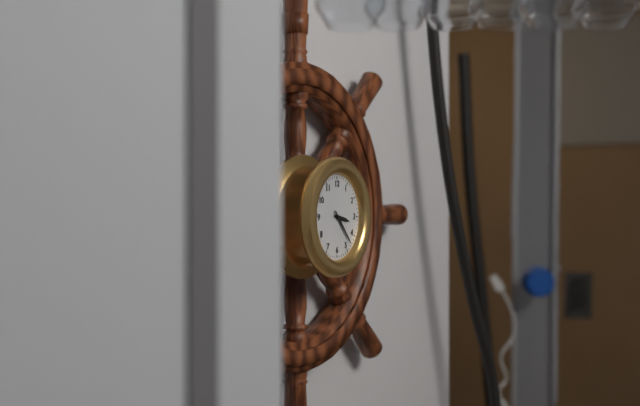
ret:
3:23
